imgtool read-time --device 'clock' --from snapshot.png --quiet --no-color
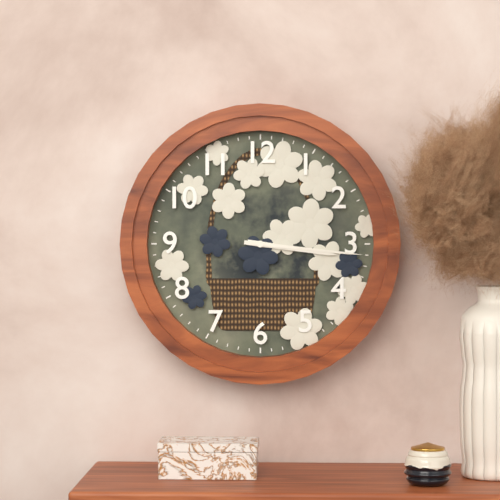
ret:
3:16
